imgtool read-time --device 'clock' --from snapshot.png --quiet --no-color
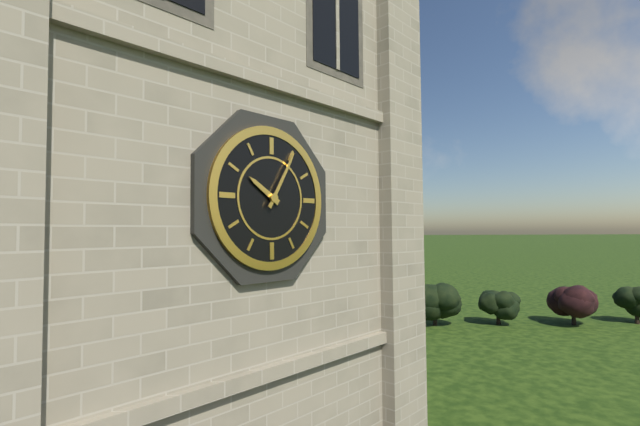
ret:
10:05
